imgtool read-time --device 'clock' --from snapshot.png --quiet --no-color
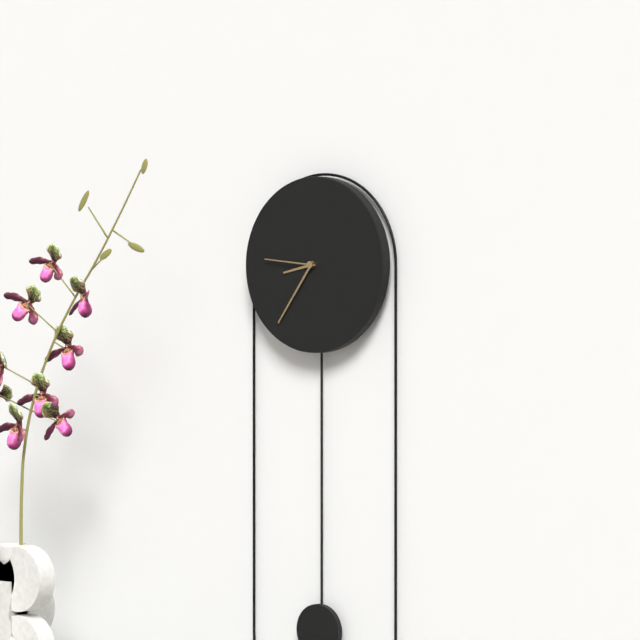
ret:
8:36:46
